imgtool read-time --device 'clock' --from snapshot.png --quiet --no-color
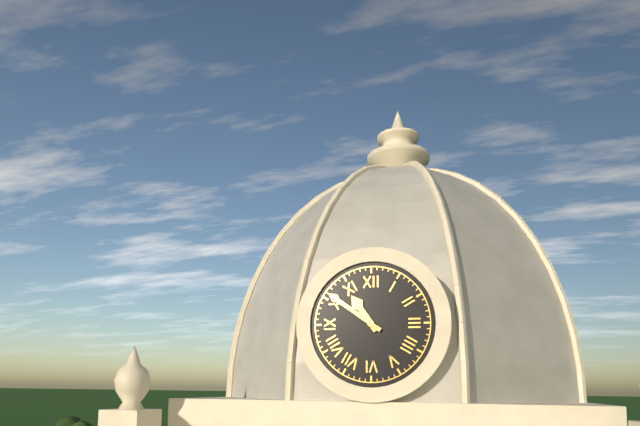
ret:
10:51
